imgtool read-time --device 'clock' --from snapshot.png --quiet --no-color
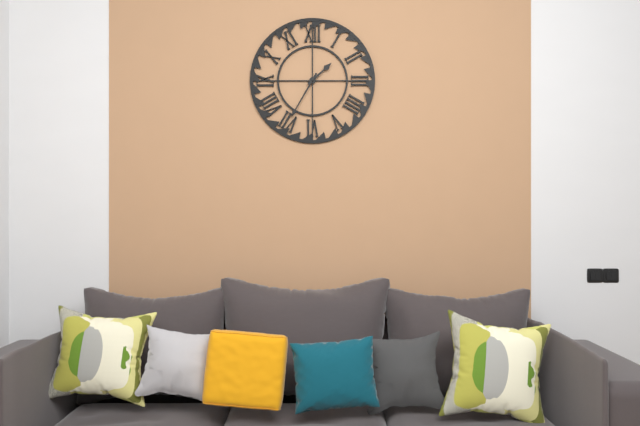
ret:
1:35
